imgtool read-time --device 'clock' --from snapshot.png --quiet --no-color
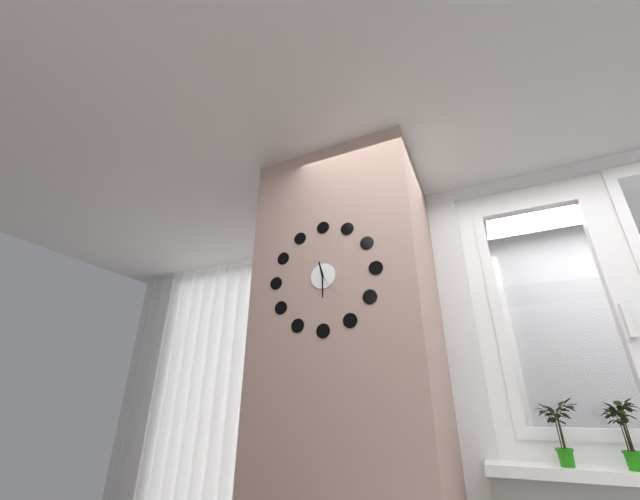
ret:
11:30
